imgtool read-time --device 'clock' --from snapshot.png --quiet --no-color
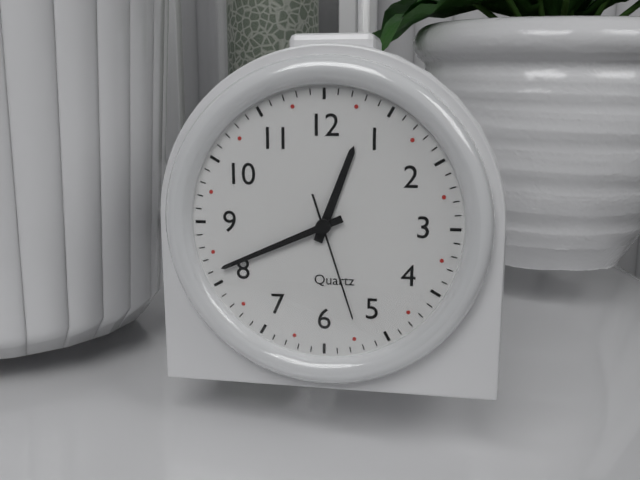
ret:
12:41:27
